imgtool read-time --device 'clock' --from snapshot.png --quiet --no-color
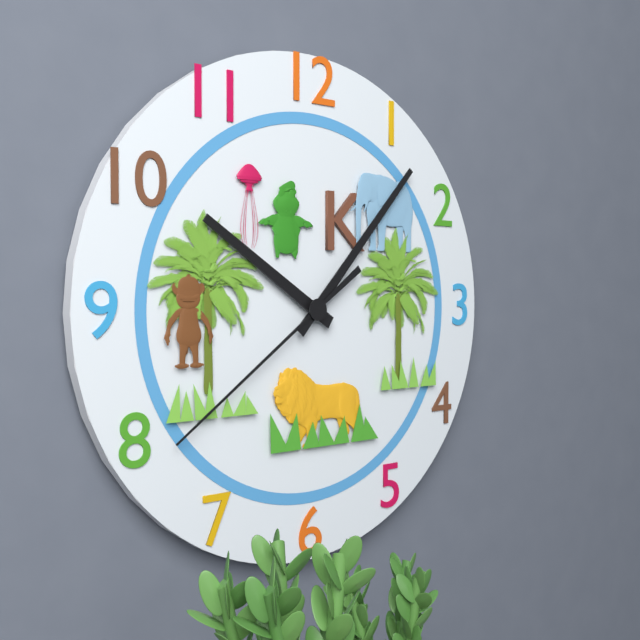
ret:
10:07:39
